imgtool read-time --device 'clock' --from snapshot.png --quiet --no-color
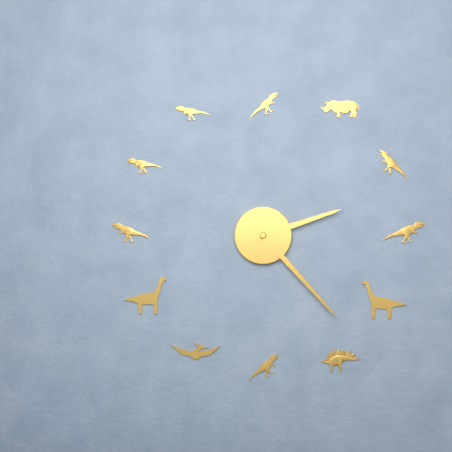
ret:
2:23
